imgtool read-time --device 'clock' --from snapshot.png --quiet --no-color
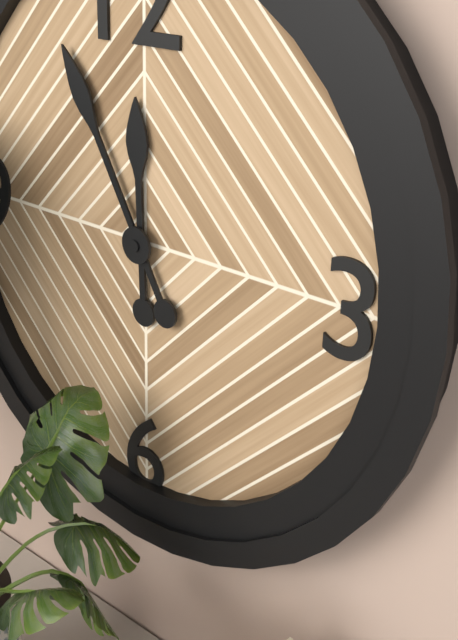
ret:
11:55
